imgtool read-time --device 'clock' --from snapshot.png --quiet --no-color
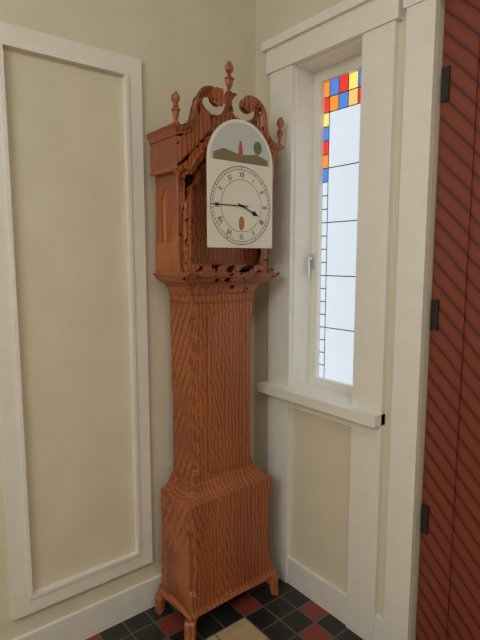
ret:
3:45
